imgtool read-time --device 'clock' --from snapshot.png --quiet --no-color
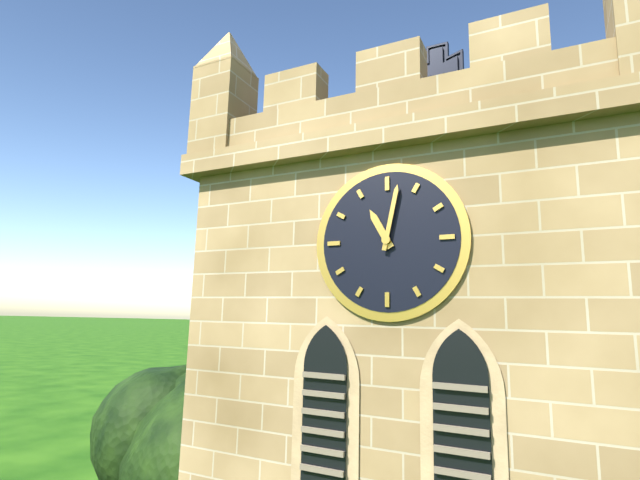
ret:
11:02
